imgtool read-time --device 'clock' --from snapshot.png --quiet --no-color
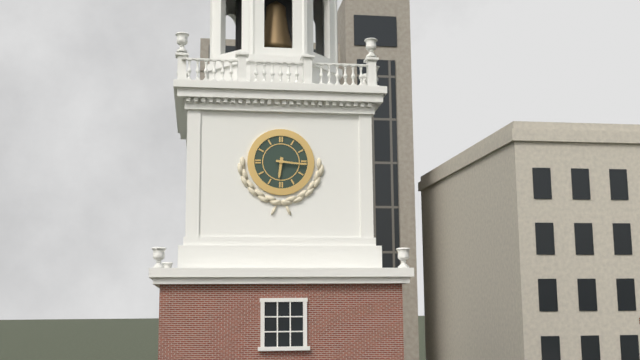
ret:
6:16
